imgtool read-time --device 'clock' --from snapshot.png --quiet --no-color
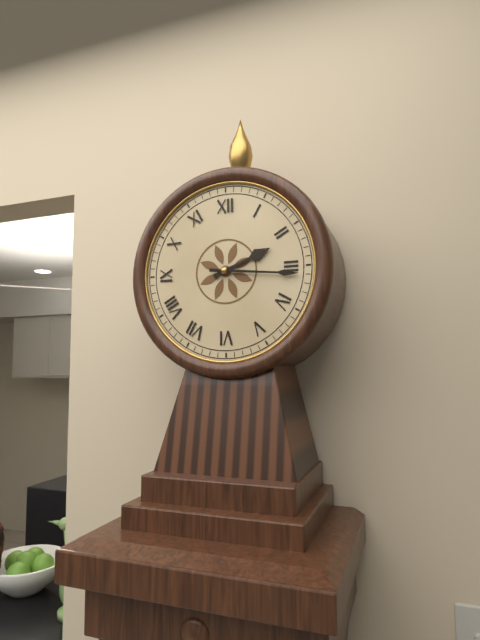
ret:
2:16
